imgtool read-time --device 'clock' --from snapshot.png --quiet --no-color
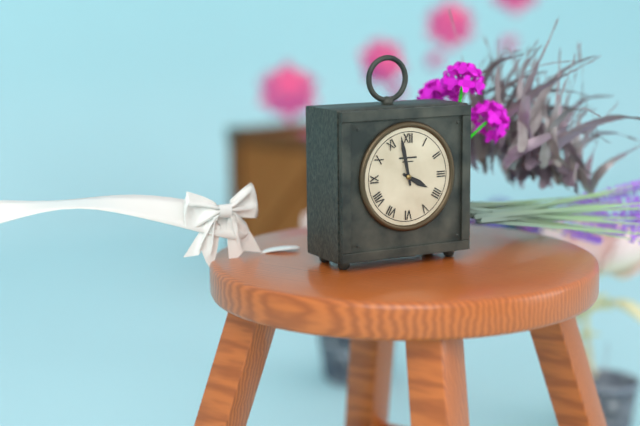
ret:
3:58
